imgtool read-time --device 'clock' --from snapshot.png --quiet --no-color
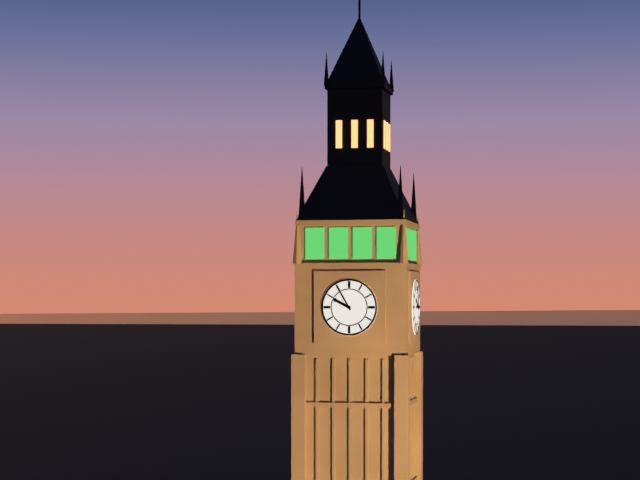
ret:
9:55
